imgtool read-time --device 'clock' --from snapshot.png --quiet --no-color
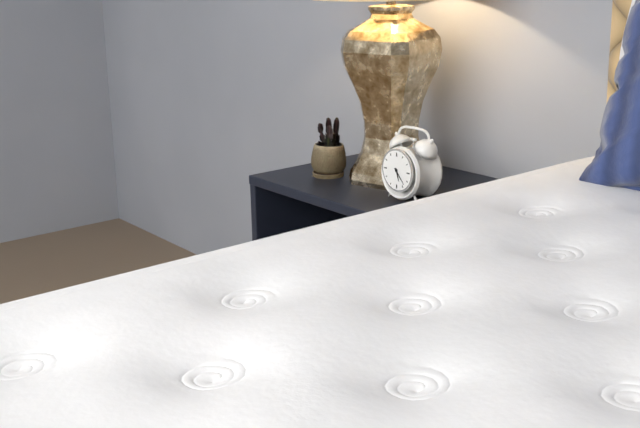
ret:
5:23
